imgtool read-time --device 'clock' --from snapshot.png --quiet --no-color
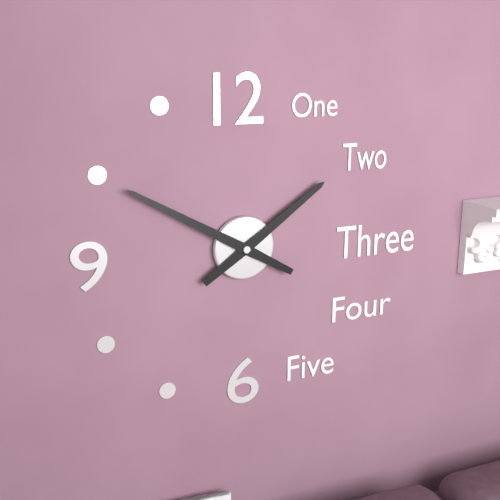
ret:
1:50
